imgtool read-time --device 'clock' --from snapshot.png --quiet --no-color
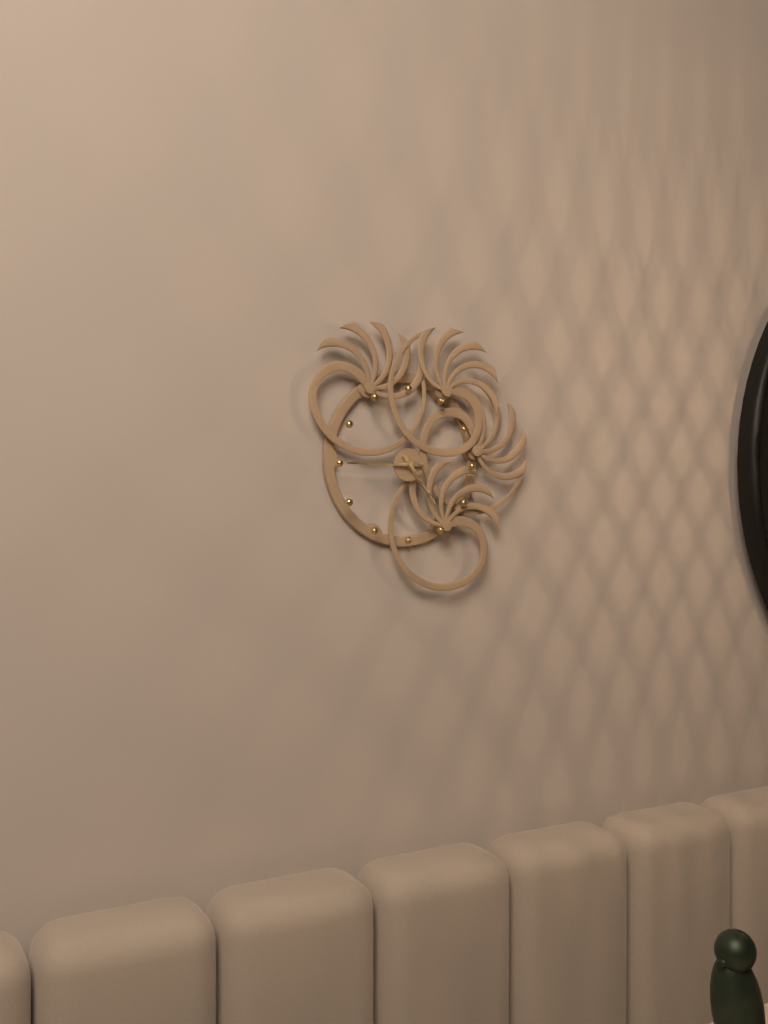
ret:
4:45
